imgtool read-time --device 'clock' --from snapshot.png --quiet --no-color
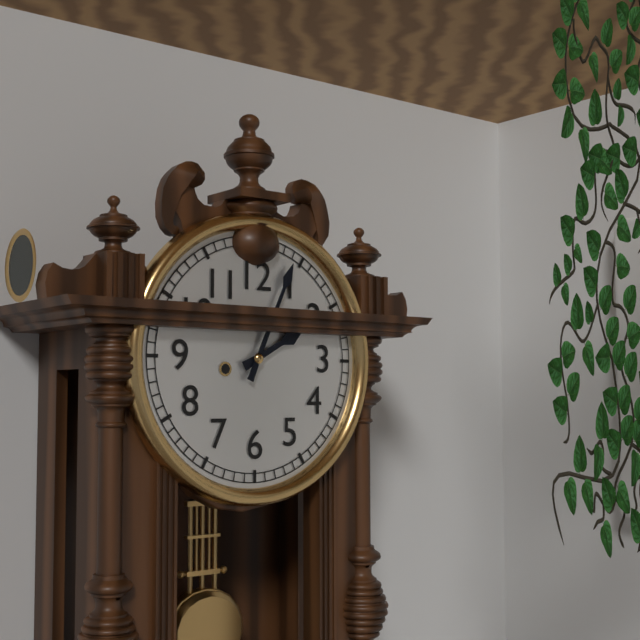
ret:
2:04
